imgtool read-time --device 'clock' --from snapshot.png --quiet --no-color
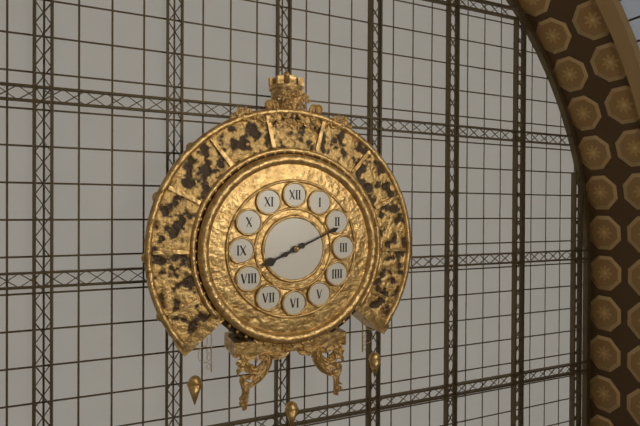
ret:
8:11
